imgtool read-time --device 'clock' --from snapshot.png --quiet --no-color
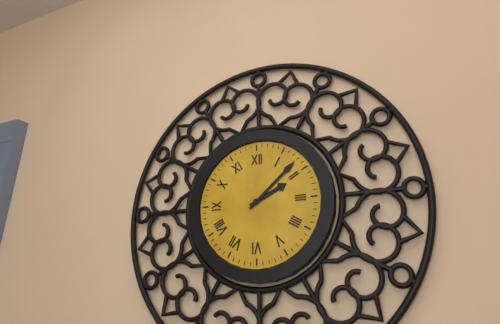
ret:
2:08
